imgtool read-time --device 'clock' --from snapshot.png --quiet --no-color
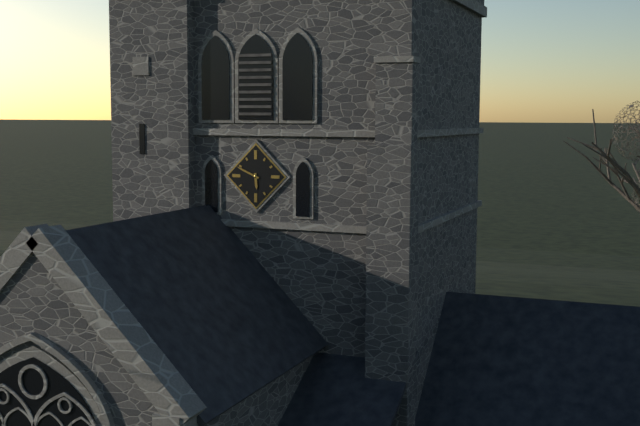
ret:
5:49
